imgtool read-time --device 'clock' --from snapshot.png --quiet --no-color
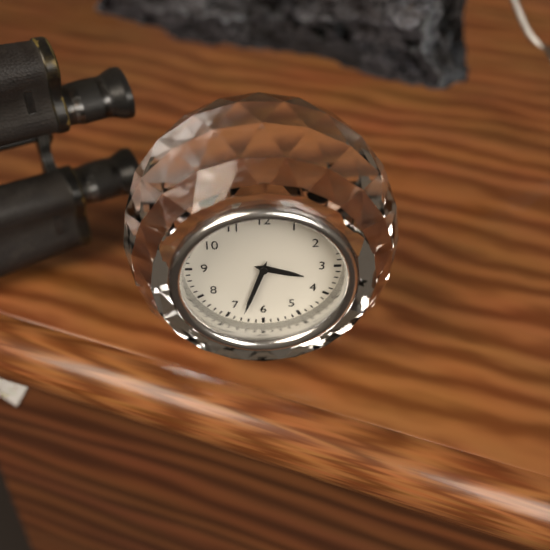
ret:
3:33
